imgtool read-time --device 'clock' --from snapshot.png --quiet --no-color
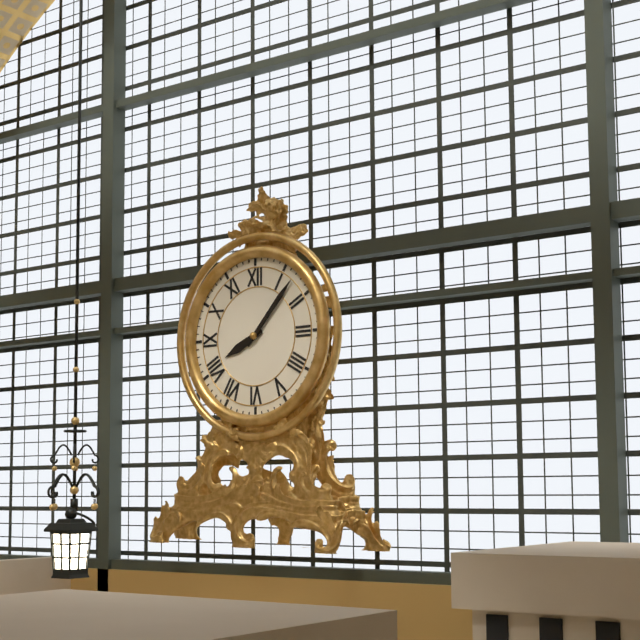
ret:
8:07
